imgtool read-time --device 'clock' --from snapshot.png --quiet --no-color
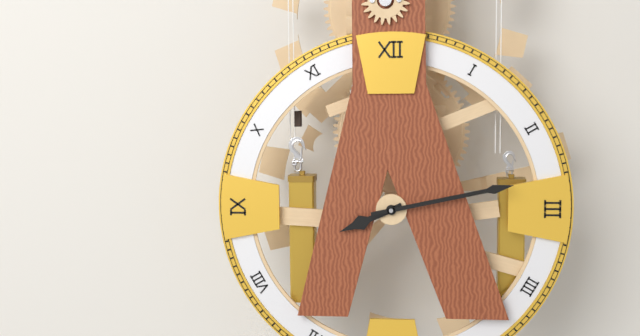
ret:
8:13
